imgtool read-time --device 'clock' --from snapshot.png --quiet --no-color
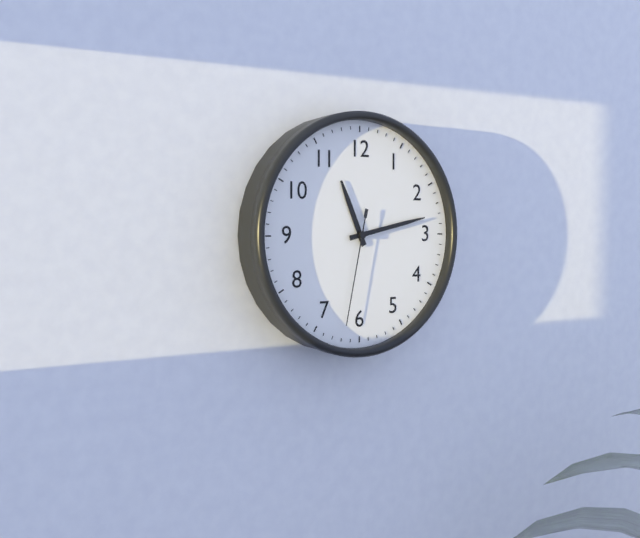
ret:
11:13:32
